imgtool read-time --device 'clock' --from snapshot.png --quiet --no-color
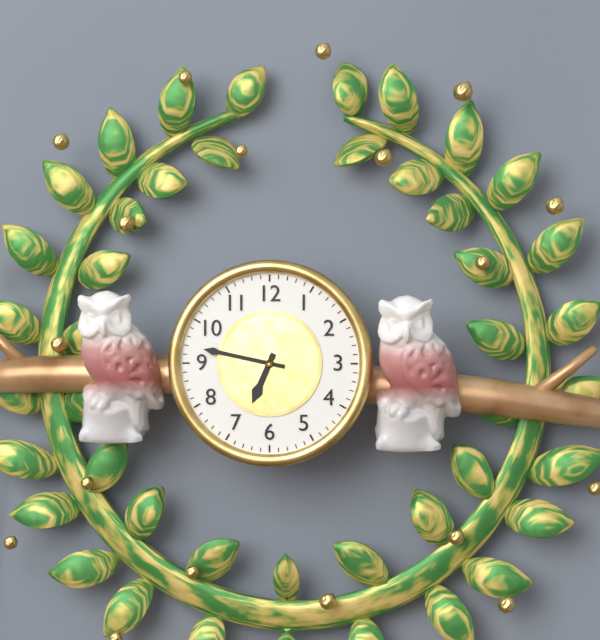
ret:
6:47
